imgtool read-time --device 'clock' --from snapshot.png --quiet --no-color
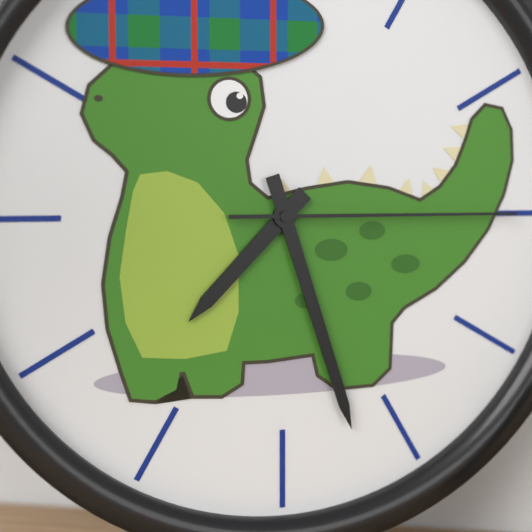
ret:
7:27:15
